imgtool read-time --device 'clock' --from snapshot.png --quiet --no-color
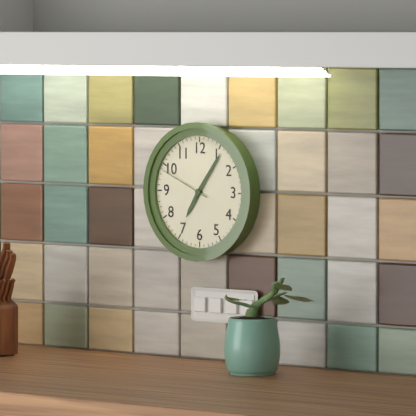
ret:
7:06:49
